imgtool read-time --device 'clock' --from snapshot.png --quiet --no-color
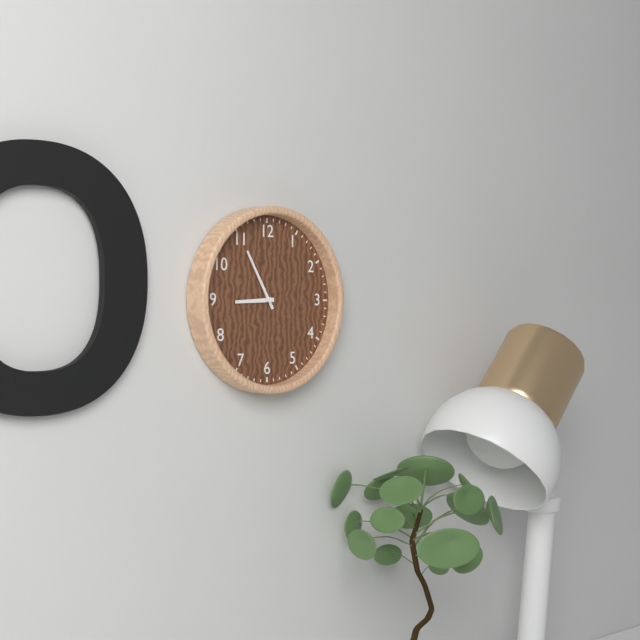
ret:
8:55
